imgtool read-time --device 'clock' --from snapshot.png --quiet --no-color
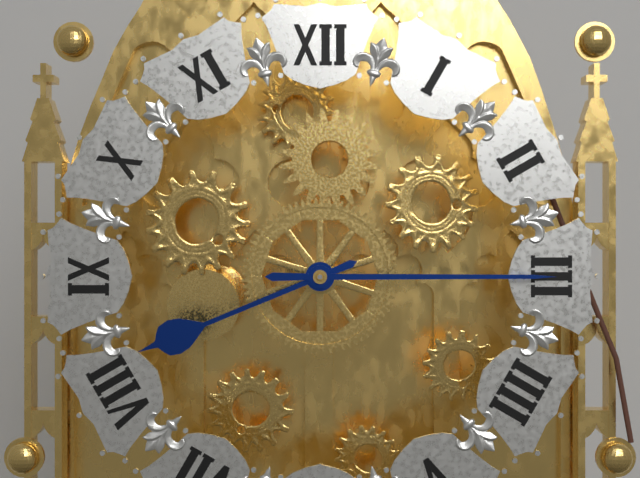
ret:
8:15
